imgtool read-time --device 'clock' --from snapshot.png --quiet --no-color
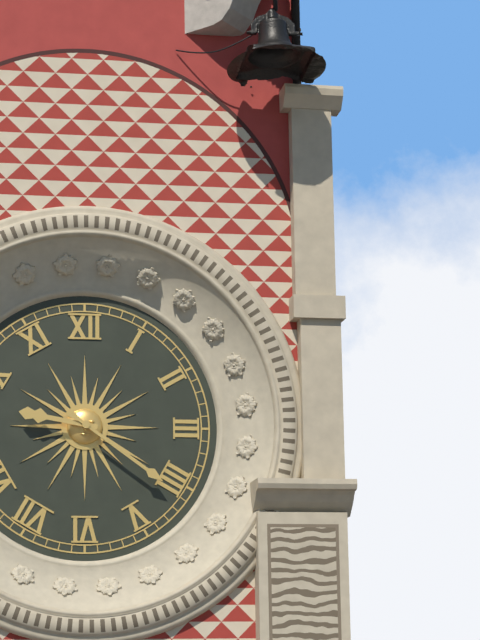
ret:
9:21
